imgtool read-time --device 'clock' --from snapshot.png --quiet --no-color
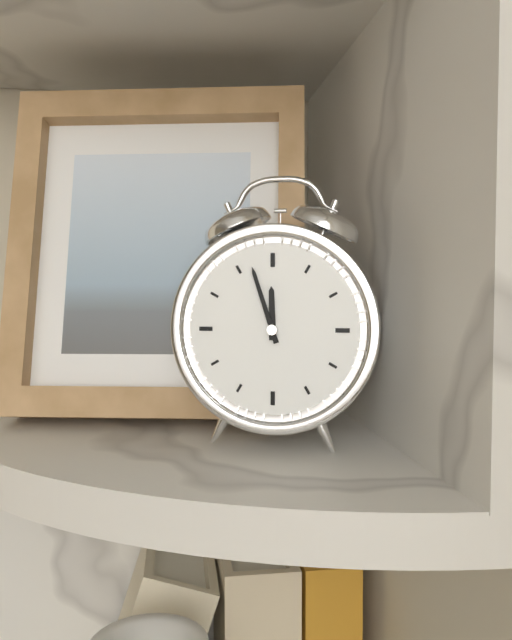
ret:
11:57
